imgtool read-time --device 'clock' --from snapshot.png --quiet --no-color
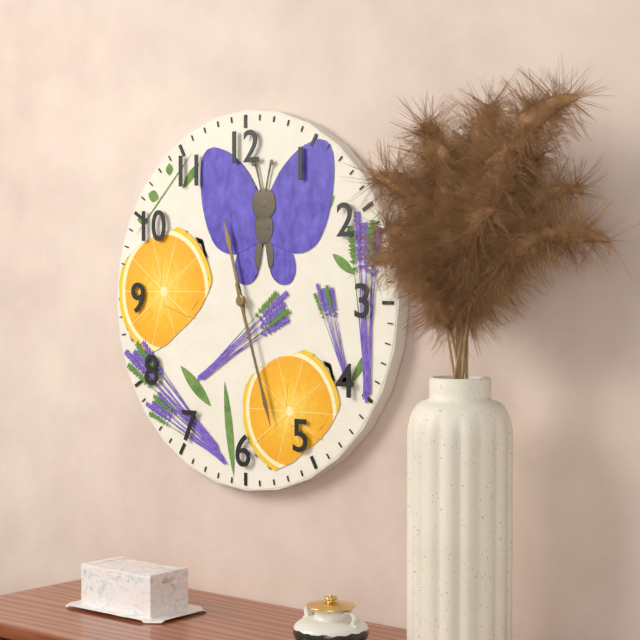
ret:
11:27
